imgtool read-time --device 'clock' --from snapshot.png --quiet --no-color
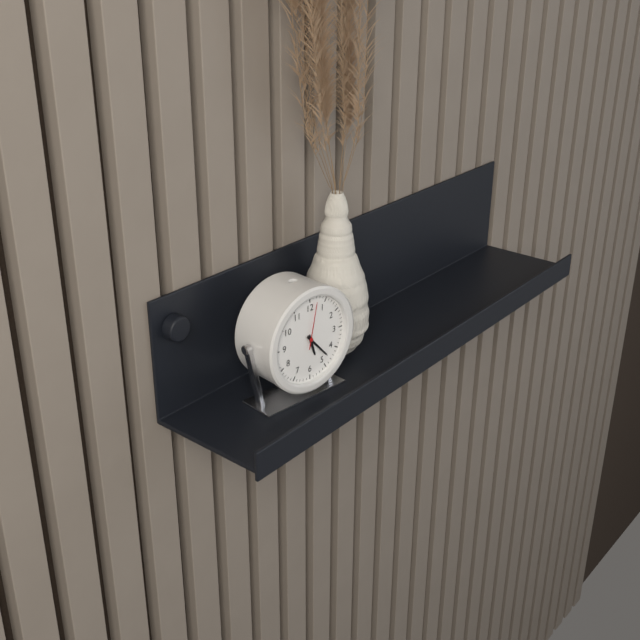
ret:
5:23
